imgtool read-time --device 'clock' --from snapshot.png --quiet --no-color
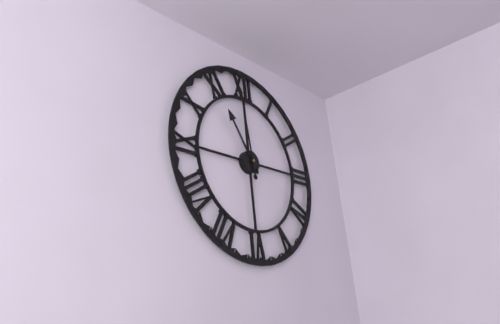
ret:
10:59
